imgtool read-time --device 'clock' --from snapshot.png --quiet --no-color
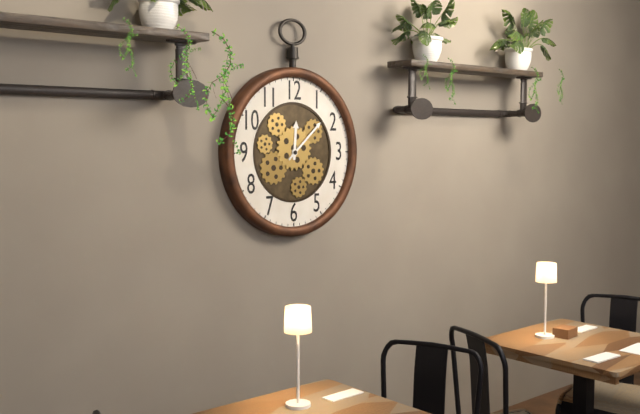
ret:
12:08
